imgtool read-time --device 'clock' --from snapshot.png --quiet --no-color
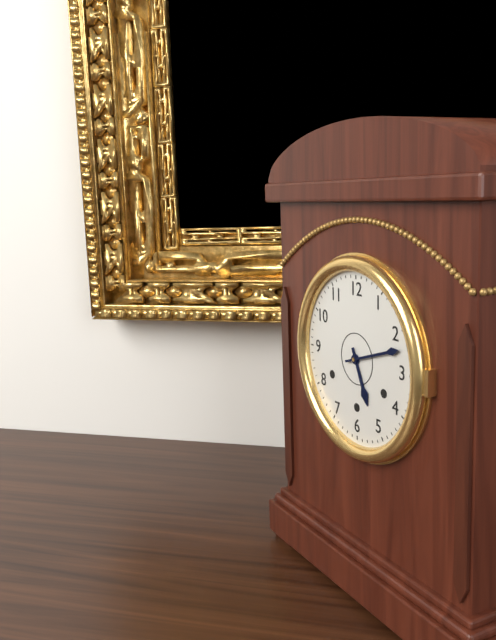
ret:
5:12
